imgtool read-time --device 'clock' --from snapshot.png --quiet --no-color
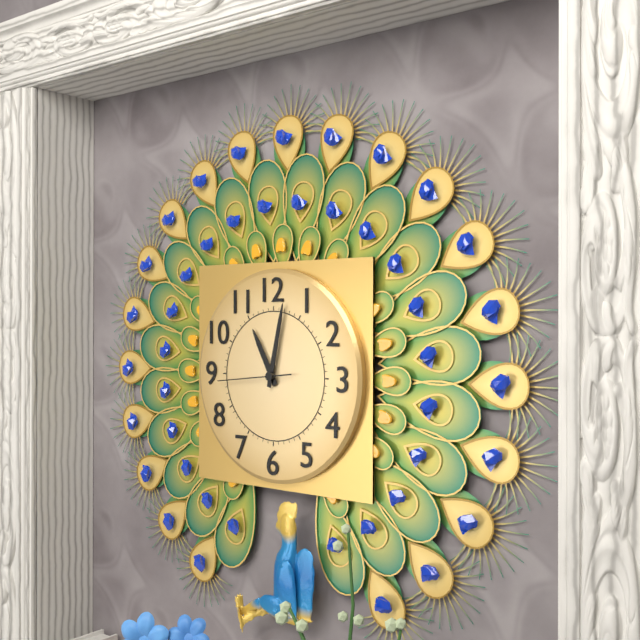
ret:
11:02:44
